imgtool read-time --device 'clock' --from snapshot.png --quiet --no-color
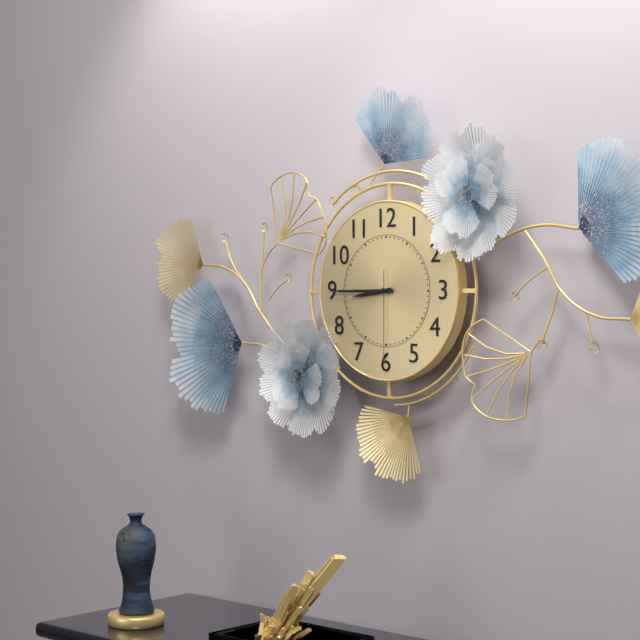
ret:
8:45:30
